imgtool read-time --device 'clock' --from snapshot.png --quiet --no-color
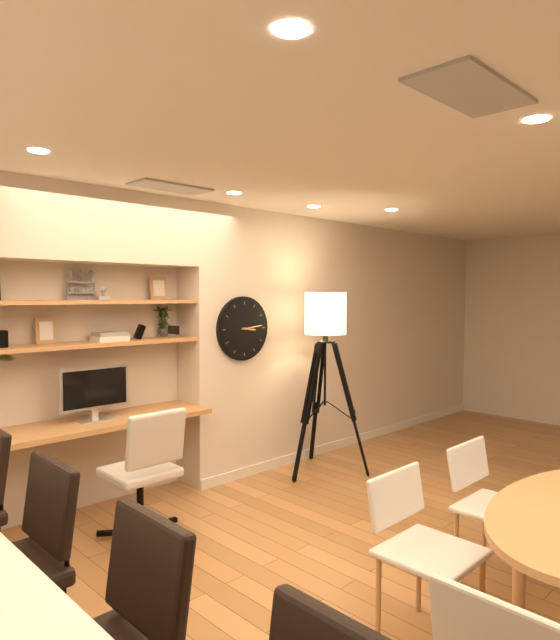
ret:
3:14
